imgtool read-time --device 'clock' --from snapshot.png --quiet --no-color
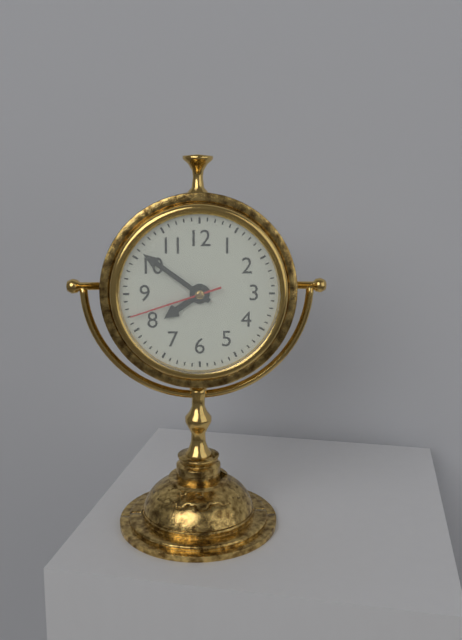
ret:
7:51:42
